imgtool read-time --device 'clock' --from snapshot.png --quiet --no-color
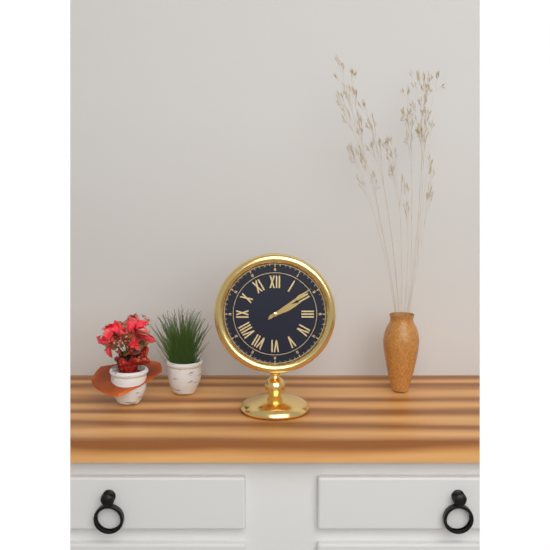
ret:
2:09
